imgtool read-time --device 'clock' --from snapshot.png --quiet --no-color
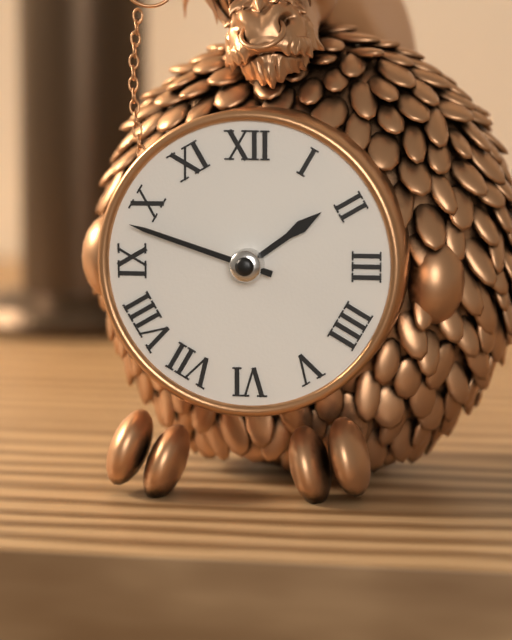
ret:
1:48
